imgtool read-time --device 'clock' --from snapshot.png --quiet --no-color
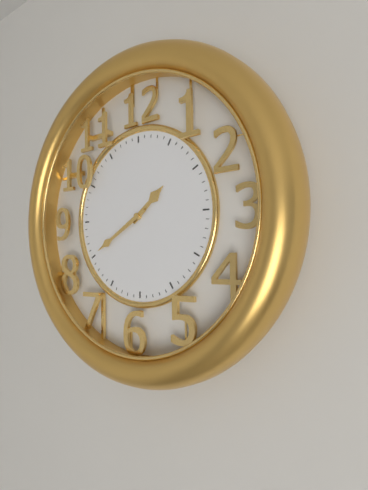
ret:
1:40
